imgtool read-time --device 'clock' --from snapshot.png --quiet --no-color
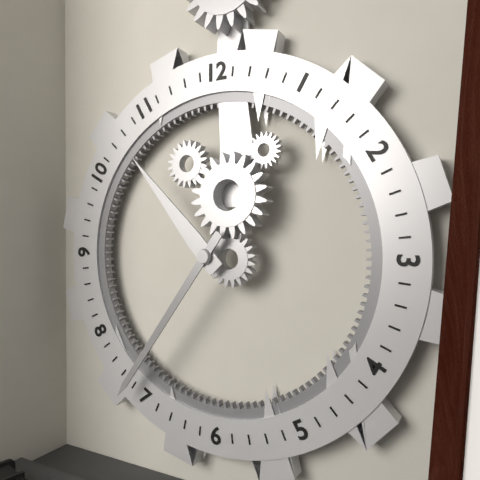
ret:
10:36
